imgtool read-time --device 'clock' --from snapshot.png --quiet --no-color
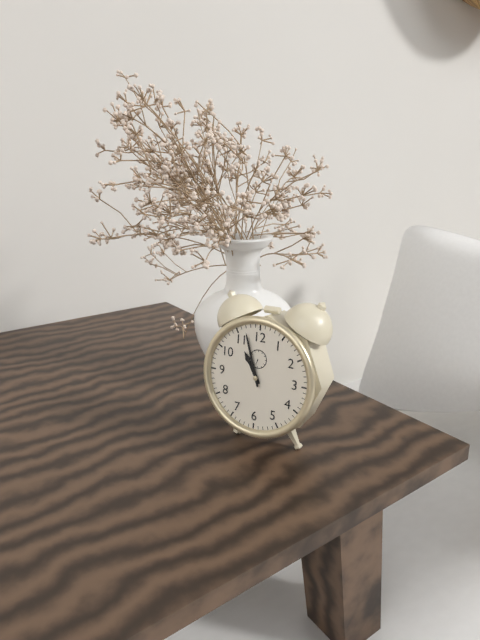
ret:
10:57
